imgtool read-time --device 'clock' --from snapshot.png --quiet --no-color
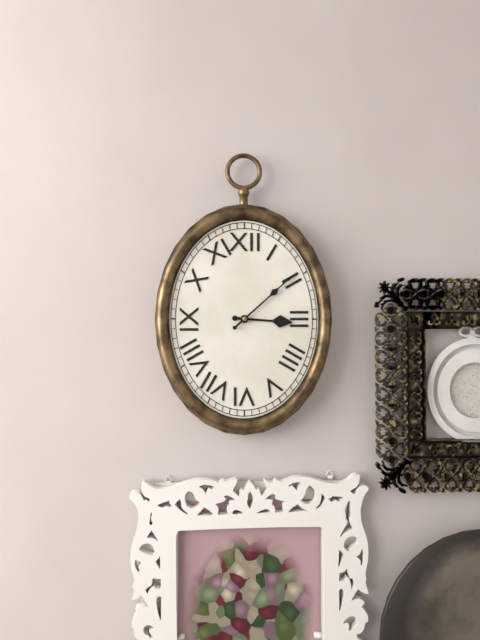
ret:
3:08
